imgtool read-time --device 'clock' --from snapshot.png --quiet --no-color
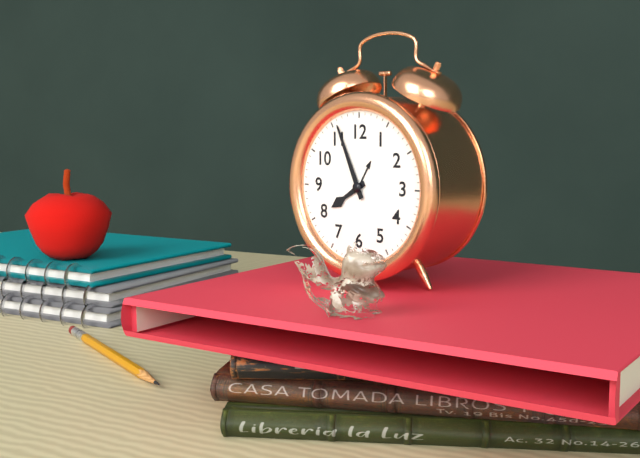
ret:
7:56
